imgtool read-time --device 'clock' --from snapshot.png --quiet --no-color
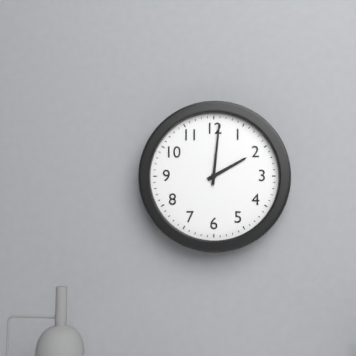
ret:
2:01
